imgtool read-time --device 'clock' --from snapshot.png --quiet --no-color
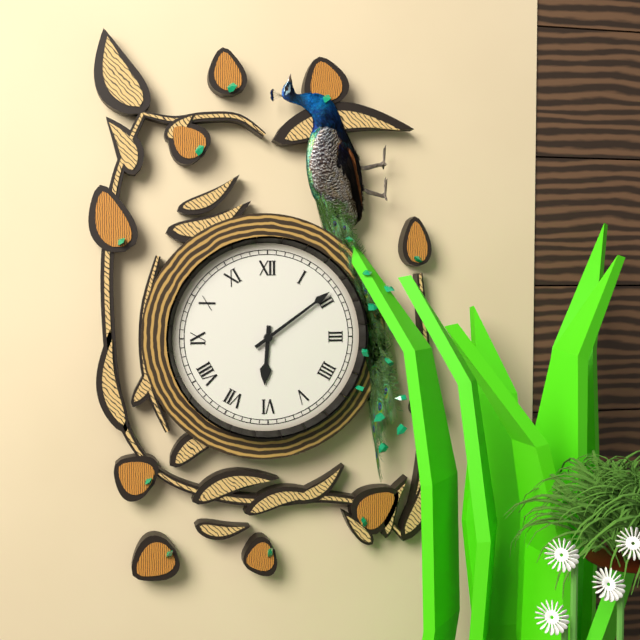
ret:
6:09
